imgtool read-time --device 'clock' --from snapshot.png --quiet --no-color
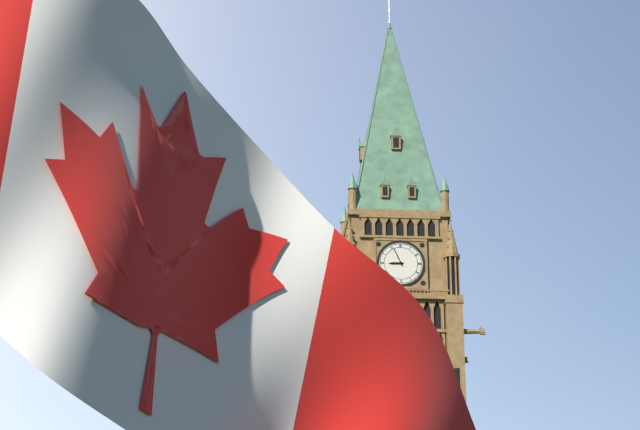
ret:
8:56
